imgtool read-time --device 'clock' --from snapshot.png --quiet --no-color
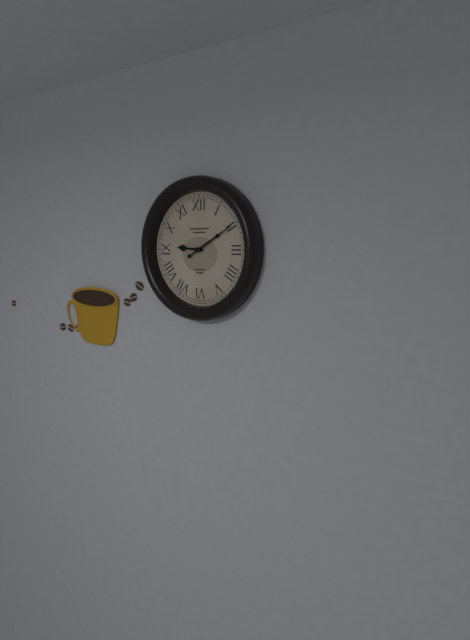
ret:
9:10
